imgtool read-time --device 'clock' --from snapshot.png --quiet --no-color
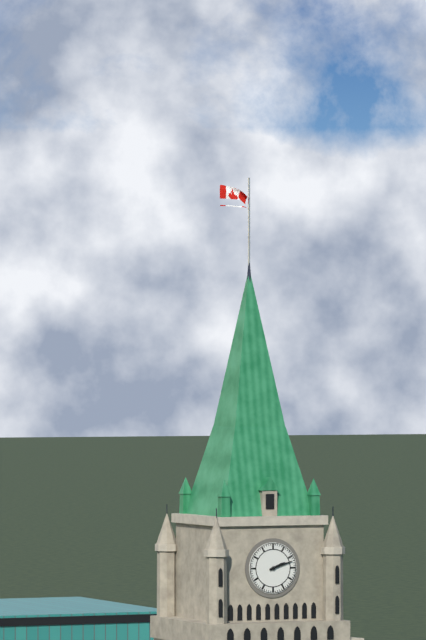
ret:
2:12
